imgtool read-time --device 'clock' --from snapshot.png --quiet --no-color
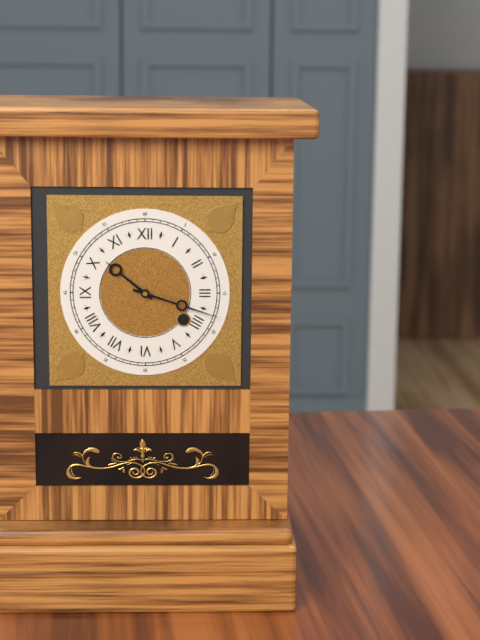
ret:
10:18
